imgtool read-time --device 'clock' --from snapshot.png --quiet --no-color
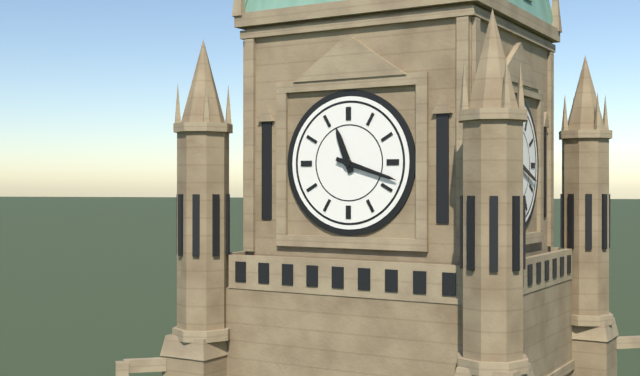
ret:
11:18
